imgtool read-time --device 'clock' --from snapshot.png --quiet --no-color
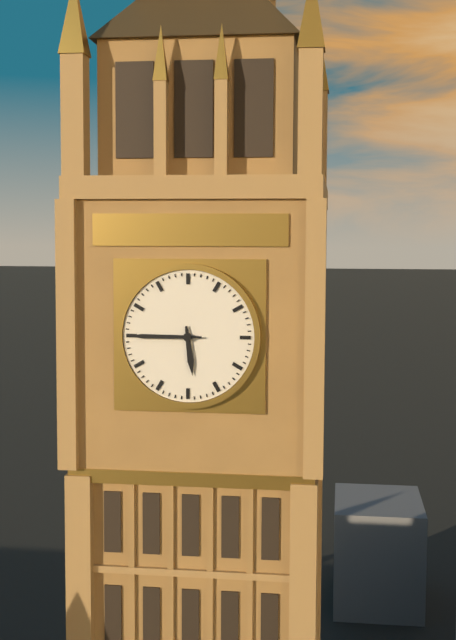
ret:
5:45
